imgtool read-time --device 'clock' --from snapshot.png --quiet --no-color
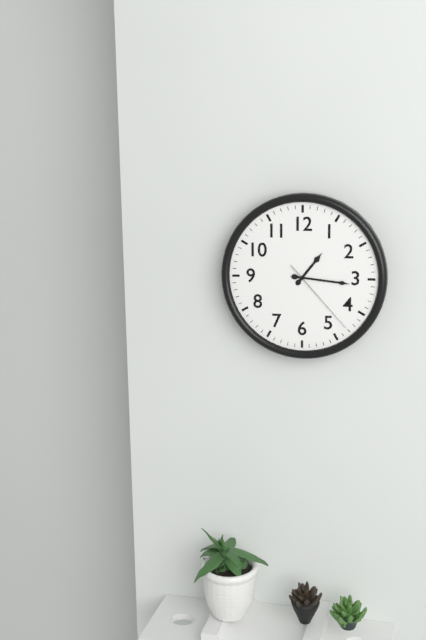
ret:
1:16:23
